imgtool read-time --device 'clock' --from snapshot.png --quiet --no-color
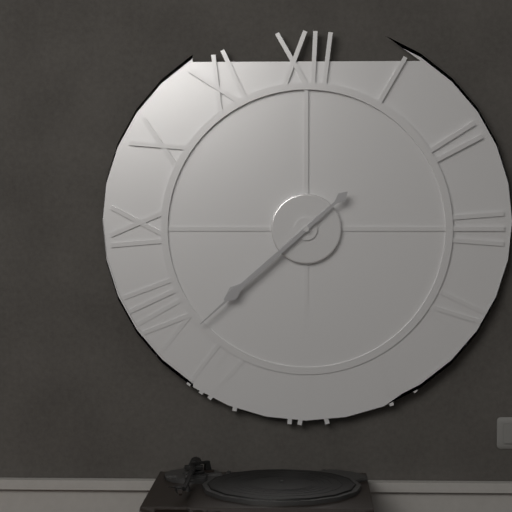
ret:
7:38
